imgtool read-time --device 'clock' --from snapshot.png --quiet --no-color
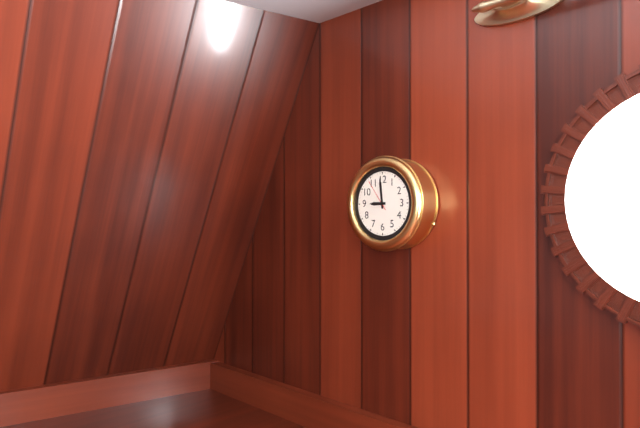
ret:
8:59
